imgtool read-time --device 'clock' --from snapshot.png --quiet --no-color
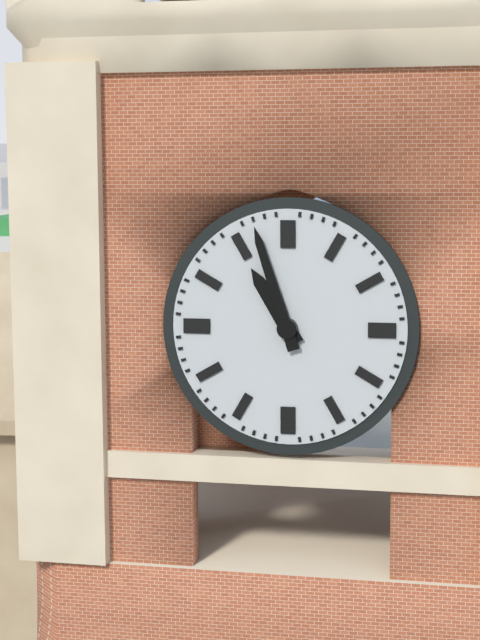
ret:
10:57
